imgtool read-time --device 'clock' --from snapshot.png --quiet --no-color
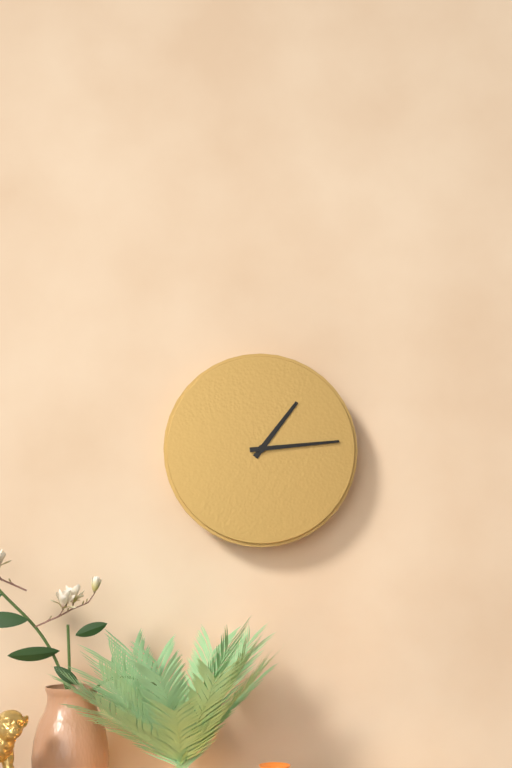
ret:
1:14
